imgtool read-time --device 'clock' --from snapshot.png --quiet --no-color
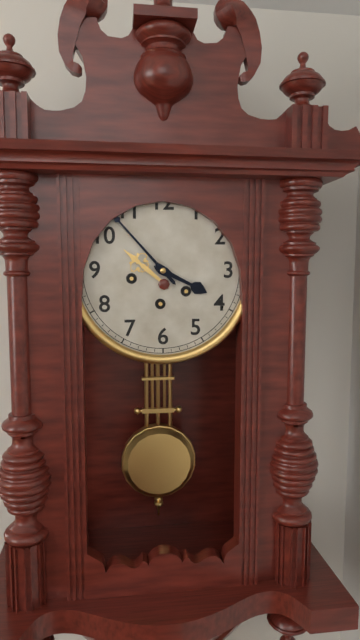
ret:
3:53
